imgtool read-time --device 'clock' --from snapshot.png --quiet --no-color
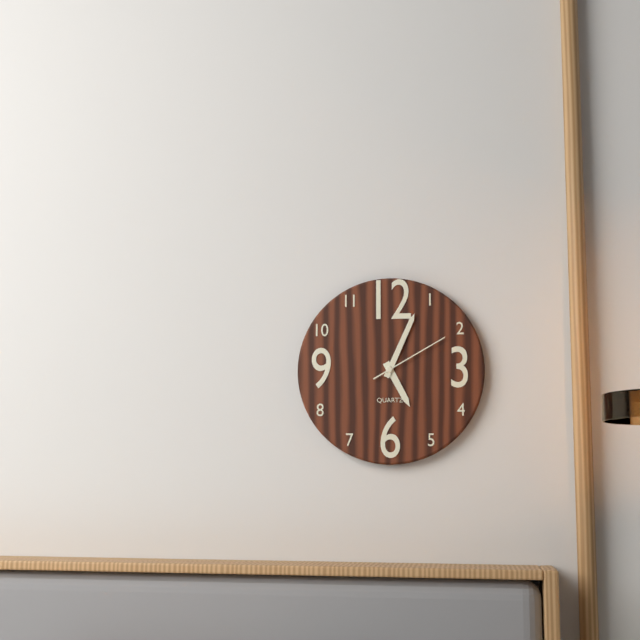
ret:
5:04:10
